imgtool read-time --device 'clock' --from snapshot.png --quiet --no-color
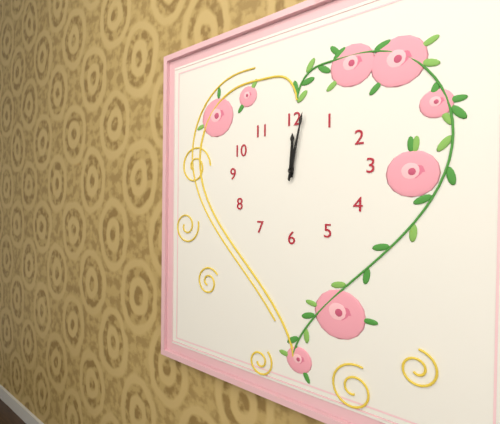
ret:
12:02
